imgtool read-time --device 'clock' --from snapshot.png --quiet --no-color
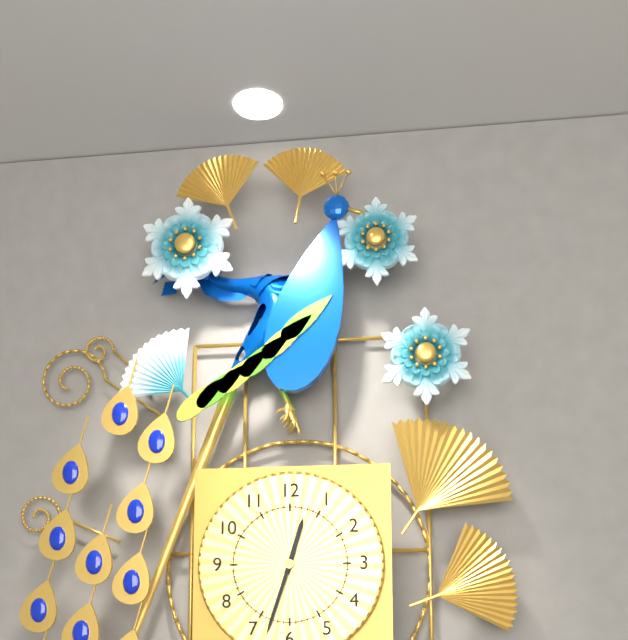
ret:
12:33
